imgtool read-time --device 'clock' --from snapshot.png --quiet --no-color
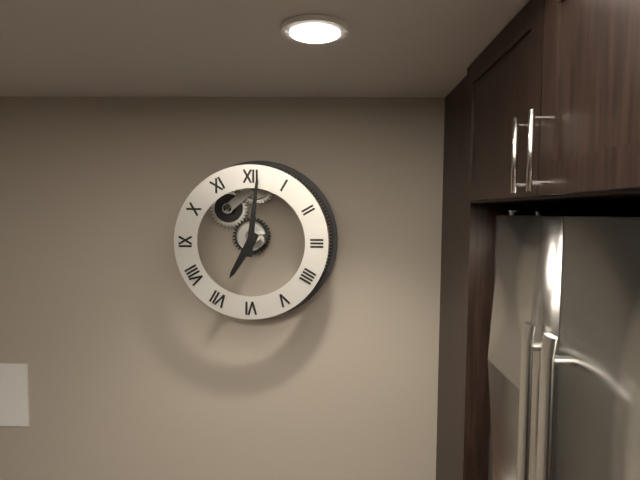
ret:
7:01
